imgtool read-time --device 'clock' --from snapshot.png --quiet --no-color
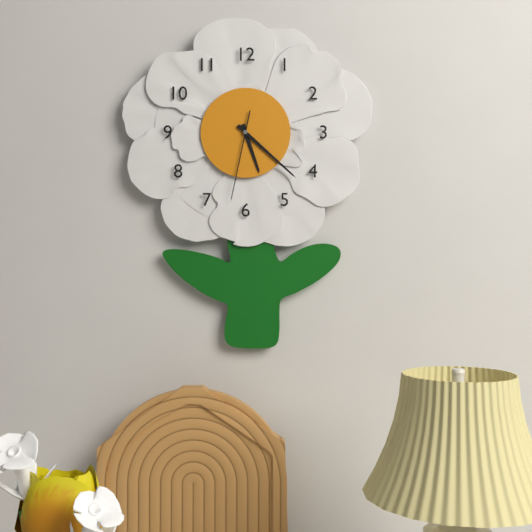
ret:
5:22:32
